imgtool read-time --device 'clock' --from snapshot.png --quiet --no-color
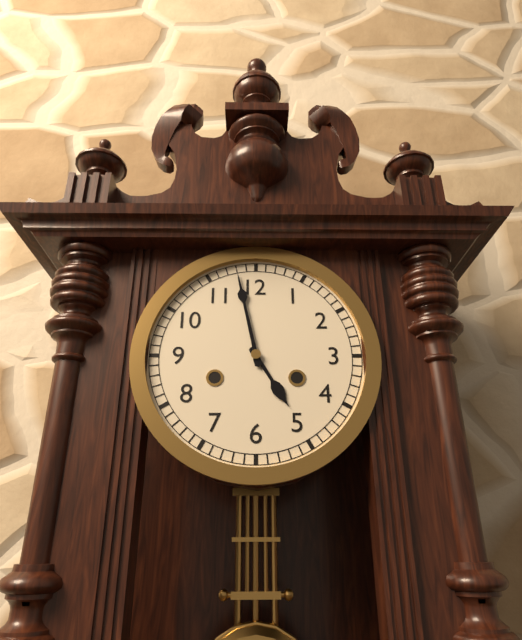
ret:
4:58
